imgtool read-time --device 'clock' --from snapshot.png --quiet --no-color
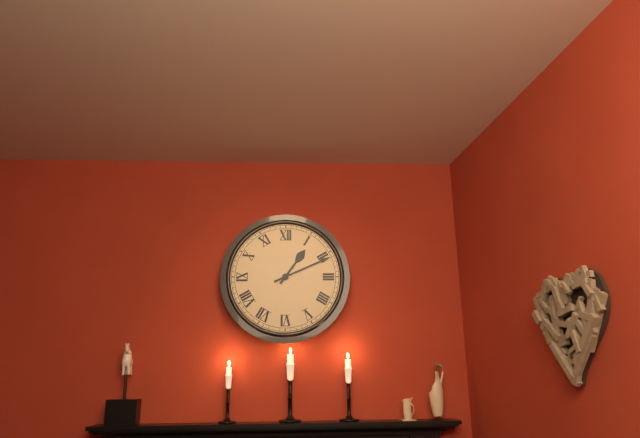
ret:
1:11
